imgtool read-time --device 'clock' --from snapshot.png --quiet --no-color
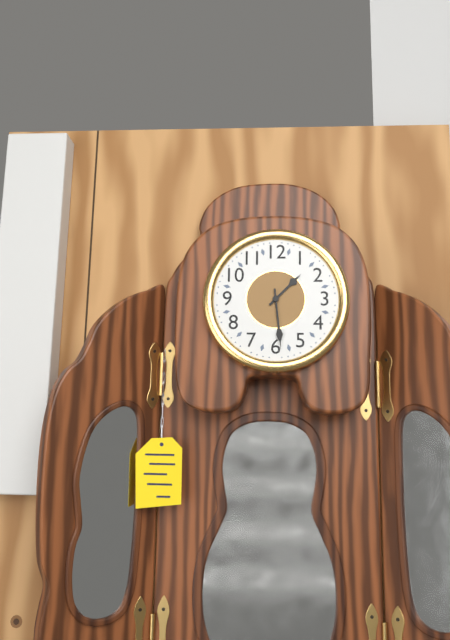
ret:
1:29
